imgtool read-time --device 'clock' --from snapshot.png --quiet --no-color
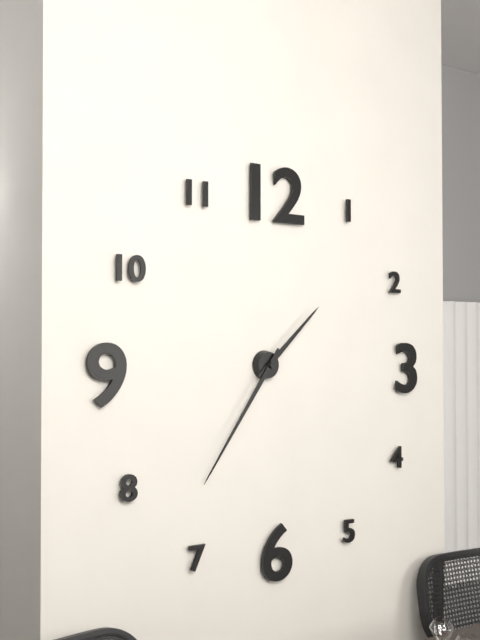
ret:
1:36
